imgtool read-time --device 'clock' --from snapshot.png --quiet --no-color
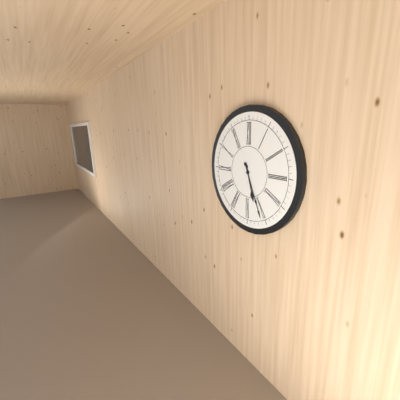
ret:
5:26
